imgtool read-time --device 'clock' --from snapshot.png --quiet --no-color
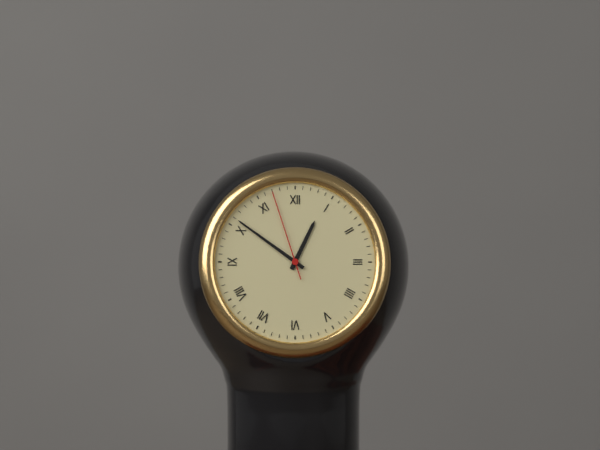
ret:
12:51:57
